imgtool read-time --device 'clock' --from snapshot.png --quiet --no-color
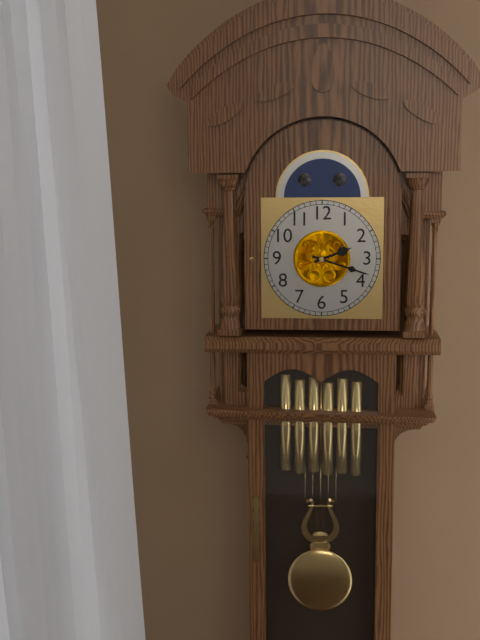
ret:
2:18
